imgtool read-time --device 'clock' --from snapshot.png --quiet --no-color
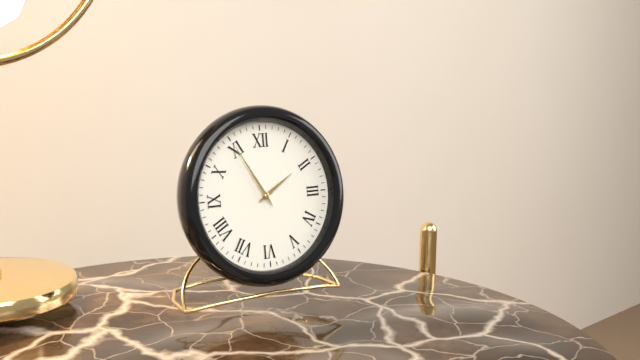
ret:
1:55
